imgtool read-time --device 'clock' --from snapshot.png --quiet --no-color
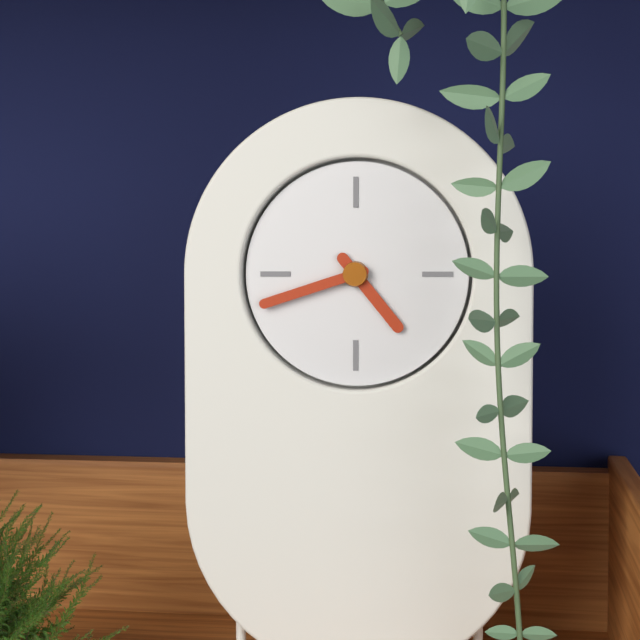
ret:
4:42
